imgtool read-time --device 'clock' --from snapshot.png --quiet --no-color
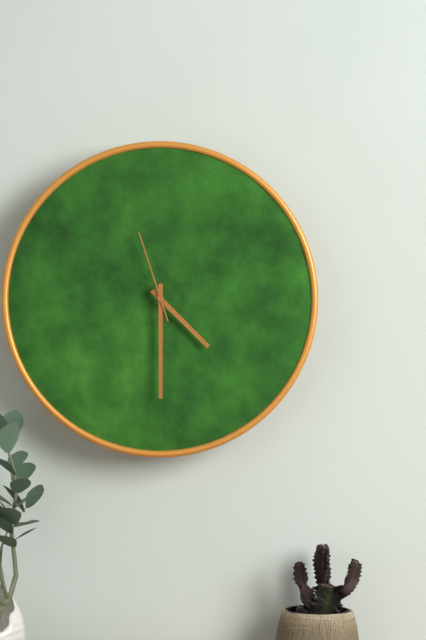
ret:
4:30:57
